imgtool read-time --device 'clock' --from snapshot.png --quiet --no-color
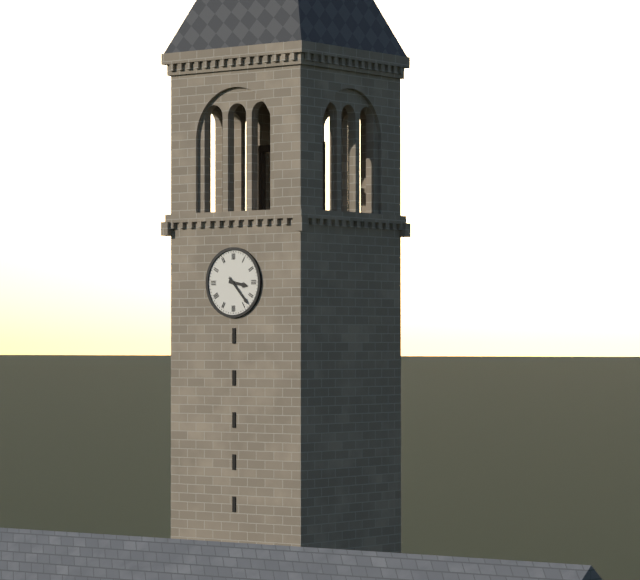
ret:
3:23
